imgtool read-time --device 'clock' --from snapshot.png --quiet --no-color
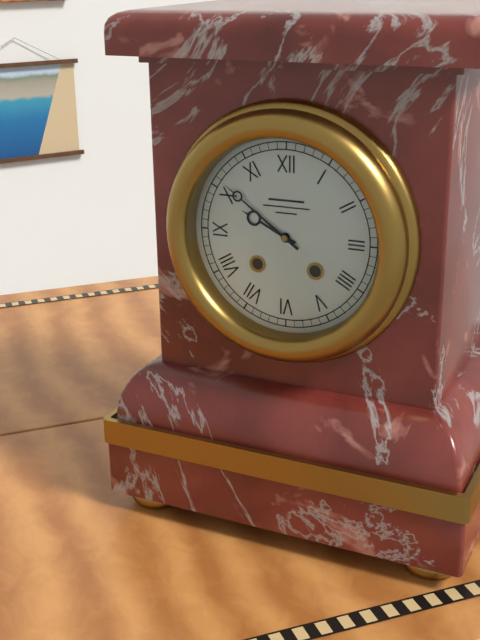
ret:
9:51
